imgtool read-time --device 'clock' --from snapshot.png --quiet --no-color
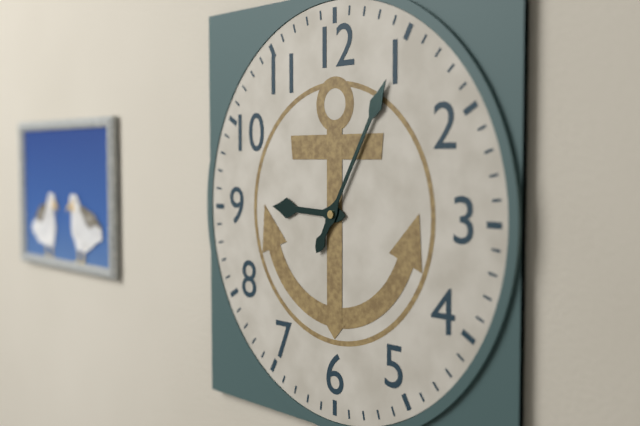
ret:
9:05
